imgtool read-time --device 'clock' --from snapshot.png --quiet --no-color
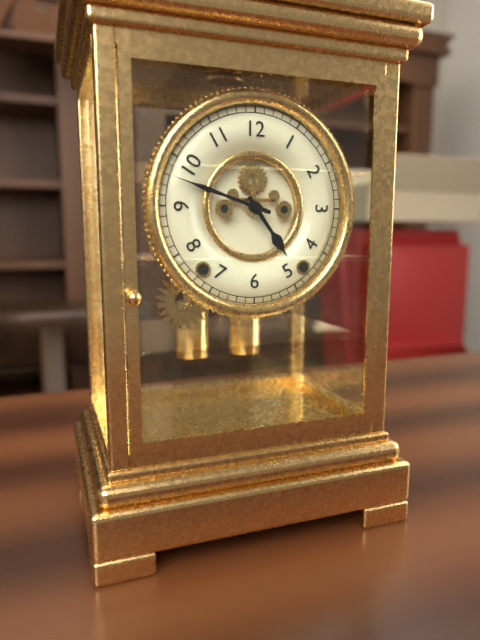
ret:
4:48
